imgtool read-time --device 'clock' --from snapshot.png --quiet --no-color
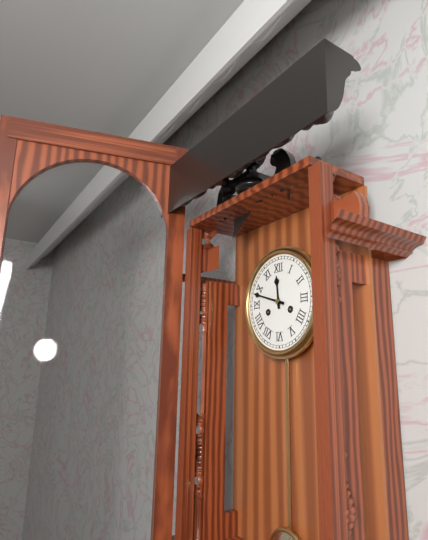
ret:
11:48
